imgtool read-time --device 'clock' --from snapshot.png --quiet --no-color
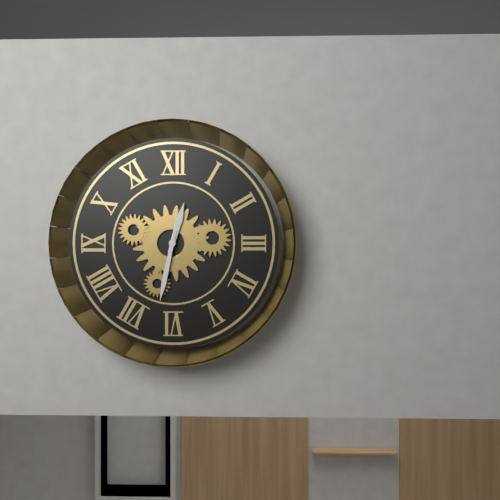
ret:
12:32
